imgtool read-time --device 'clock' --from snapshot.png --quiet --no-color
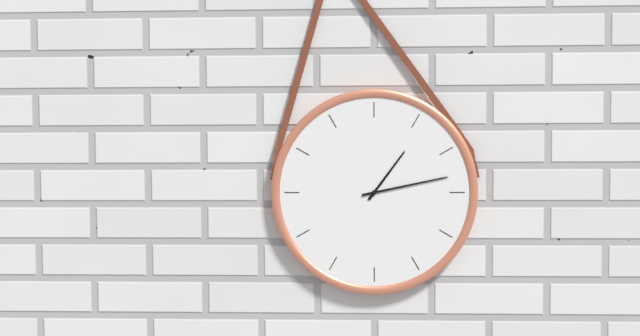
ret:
1:13
